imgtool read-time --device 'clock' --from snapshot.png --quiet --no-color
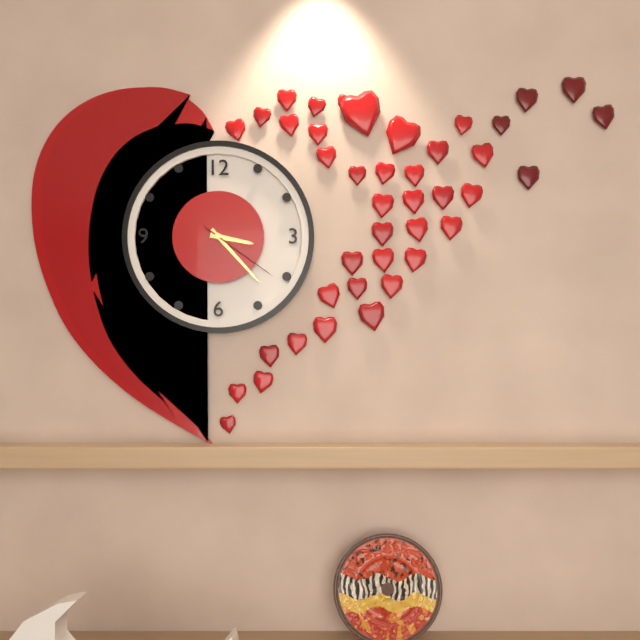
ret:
3:23:21
